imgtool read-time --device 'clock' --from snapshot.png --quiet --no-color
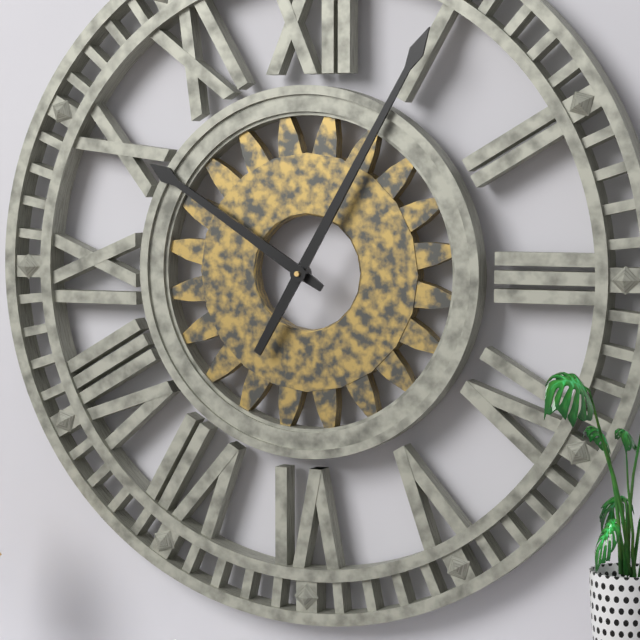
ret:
10:05
